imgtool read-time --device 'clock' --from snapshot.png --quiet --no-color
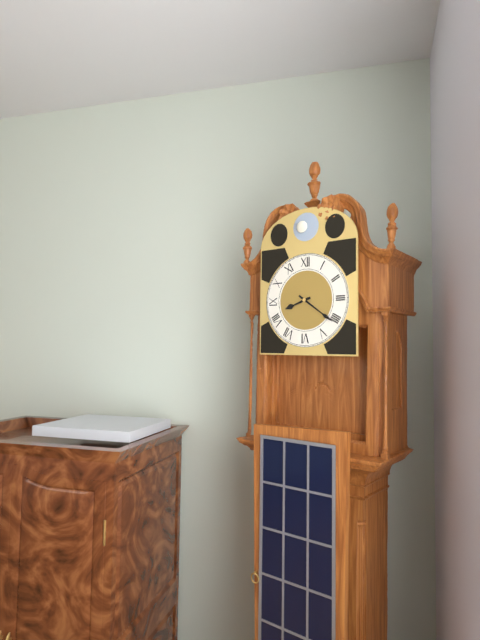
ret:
8:21
